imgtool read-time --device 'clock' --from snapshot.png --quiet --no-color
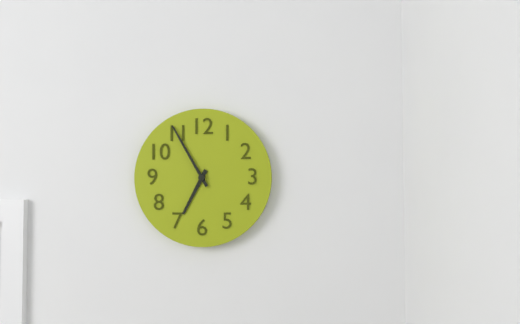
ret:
6:55
